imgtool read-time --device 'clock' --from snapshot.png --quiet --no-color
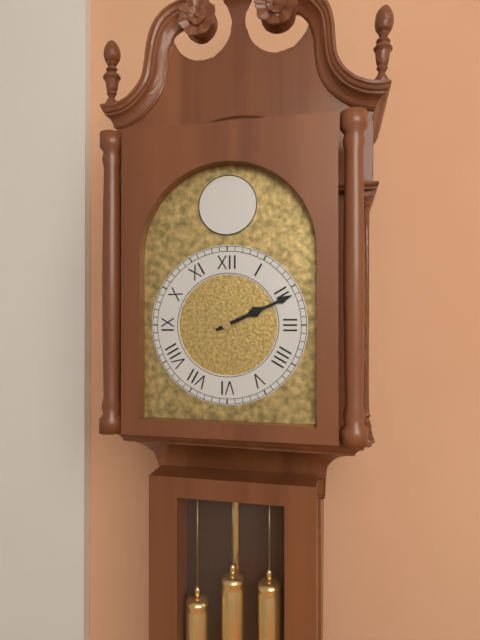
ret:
2:11
